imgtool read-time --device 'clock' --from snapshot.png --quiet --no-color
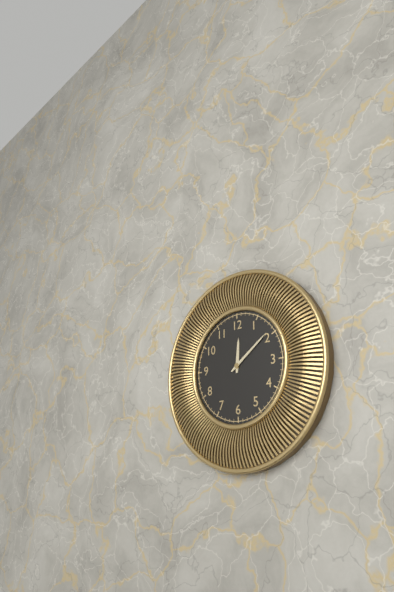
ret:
12:09
